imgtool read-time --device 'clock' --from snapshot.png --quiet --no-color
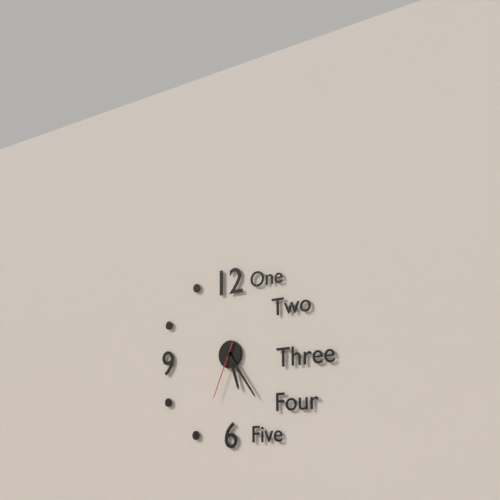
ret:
5:24:34
